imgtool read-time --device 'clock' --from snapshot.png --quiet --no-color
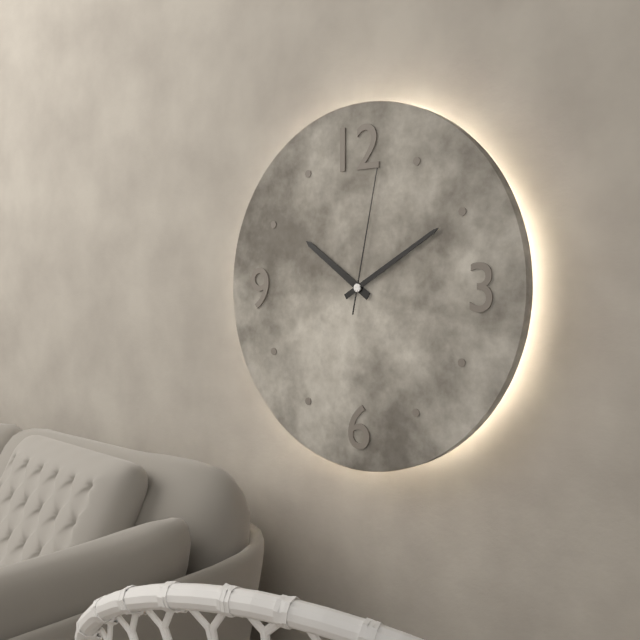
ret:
10:10:02
